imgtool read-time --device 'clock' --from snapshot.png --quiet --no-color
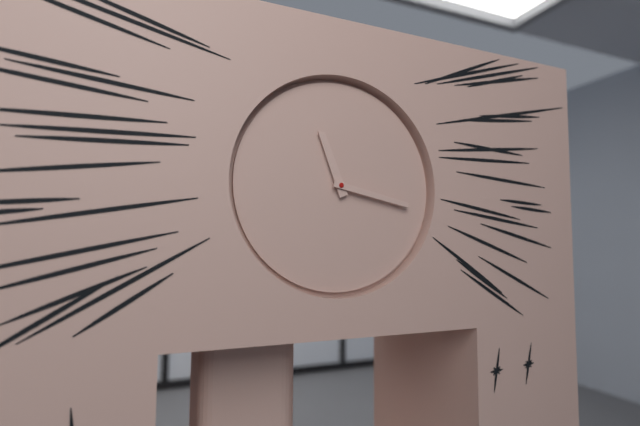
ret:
11:17
